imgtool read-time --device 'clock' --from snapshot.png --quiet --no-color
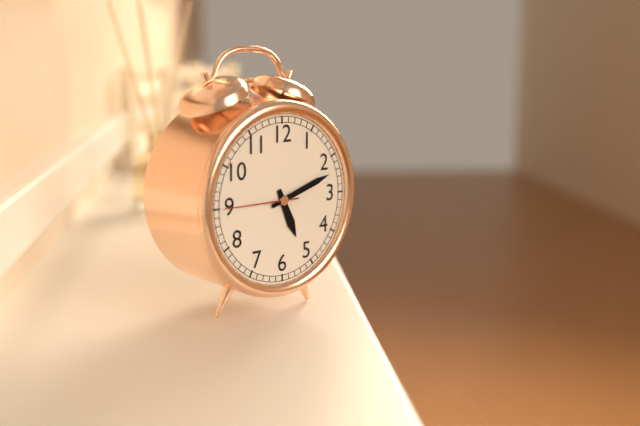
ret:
5:12:45
